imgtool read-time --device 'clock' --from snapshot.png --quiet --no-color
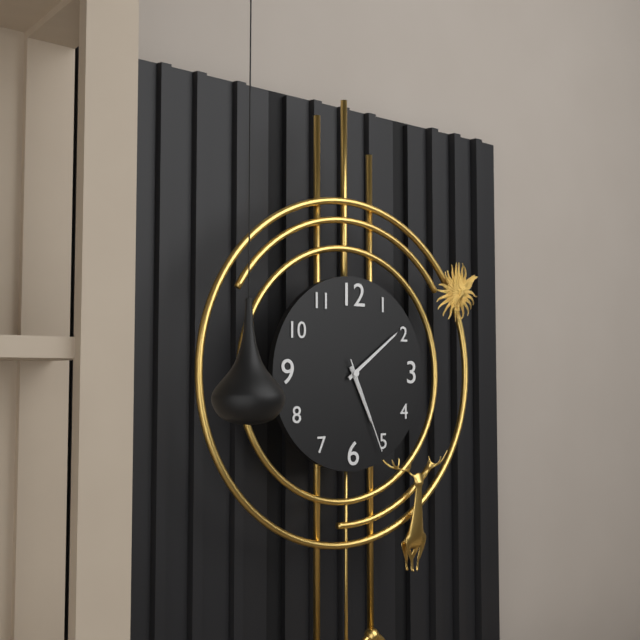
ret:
5:09:26
